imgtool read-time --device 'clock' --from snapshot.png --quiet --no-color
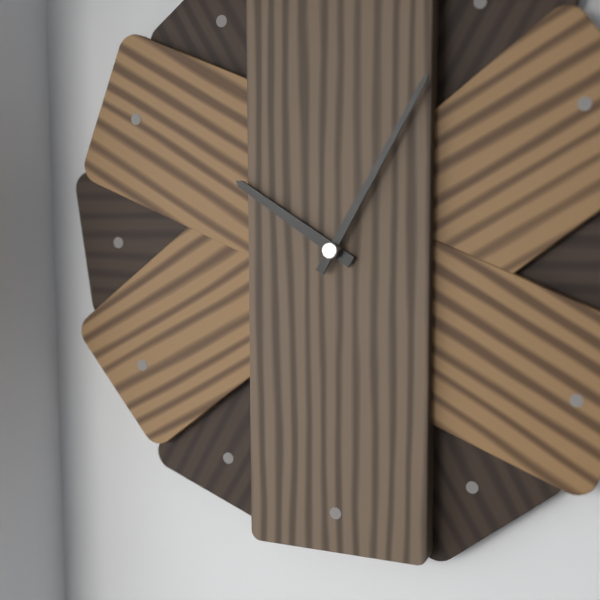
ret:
10:05
